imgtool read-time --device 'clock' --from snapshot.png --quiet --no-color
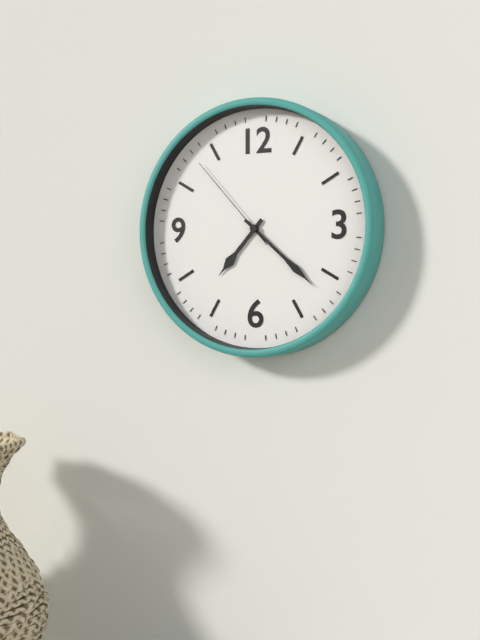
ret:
7:22:53
